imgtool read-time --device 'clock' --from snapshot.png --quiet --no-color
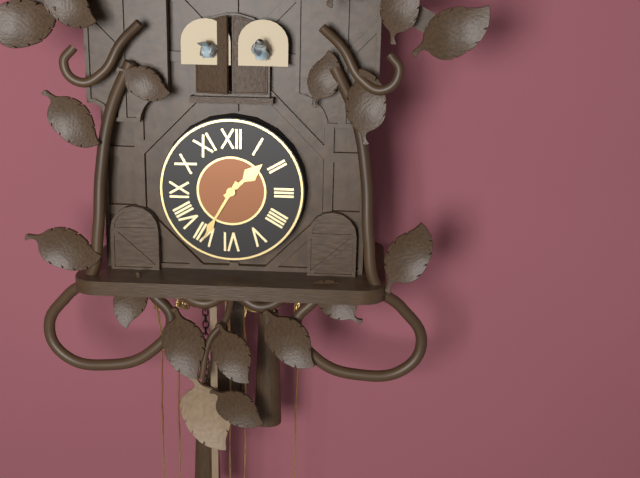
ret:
1:35
